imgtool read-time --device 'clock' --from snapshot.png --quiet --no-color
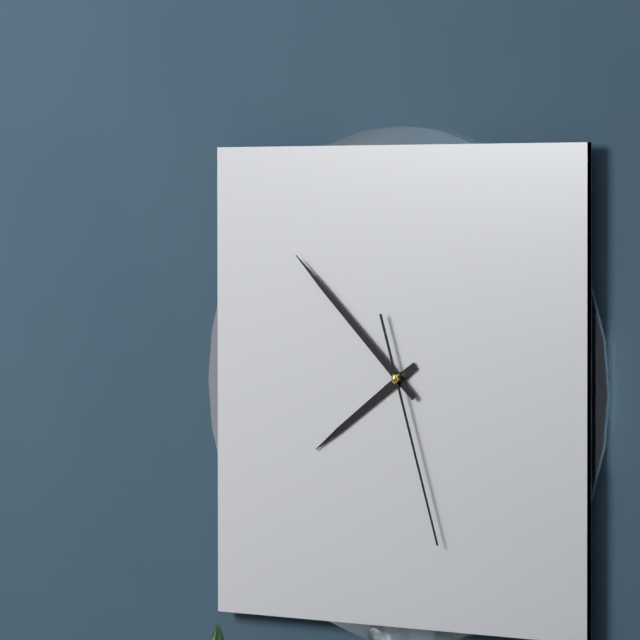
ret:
7:52:27
